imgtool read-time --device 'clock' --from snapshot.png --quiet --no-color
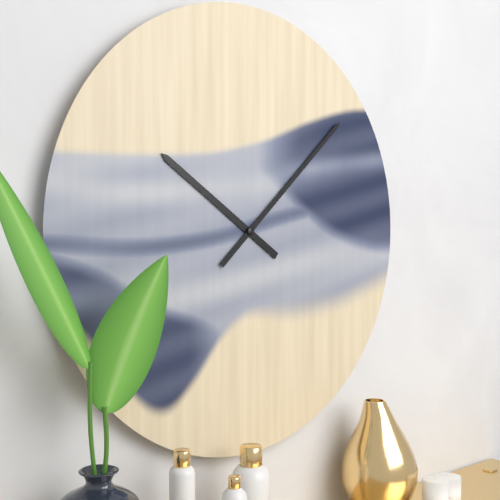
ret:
10:08
